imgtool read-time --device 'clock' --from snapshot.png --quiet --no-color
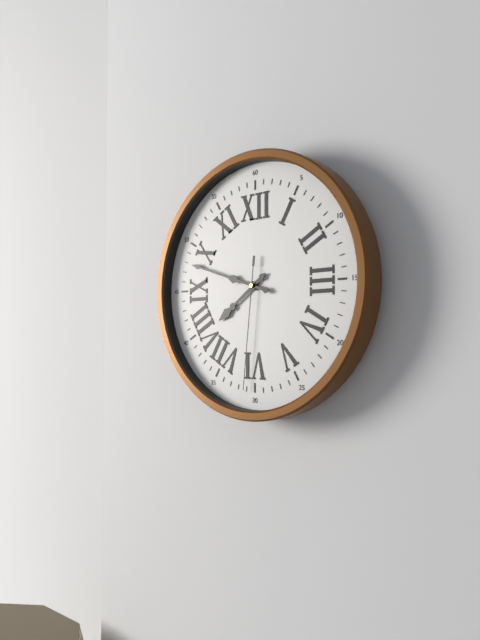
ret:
7:48:31
